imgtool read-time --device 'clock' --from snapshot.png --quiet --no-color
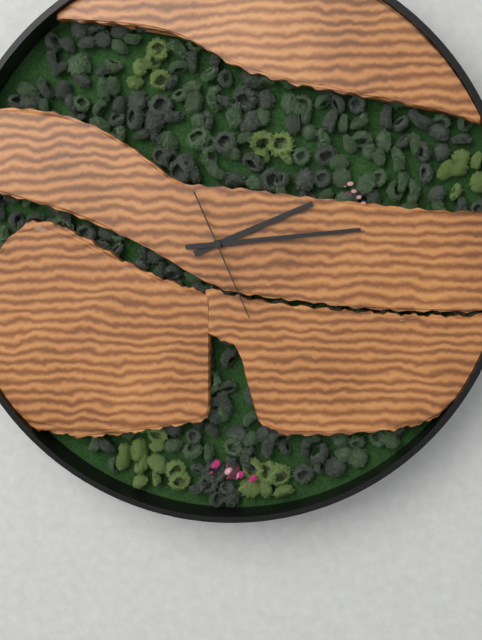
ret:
2:14:26
